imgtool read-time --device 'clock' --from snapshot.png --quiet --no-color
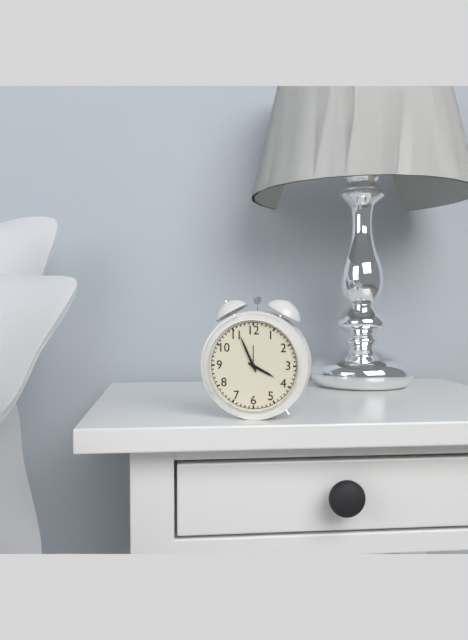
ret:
3:56
